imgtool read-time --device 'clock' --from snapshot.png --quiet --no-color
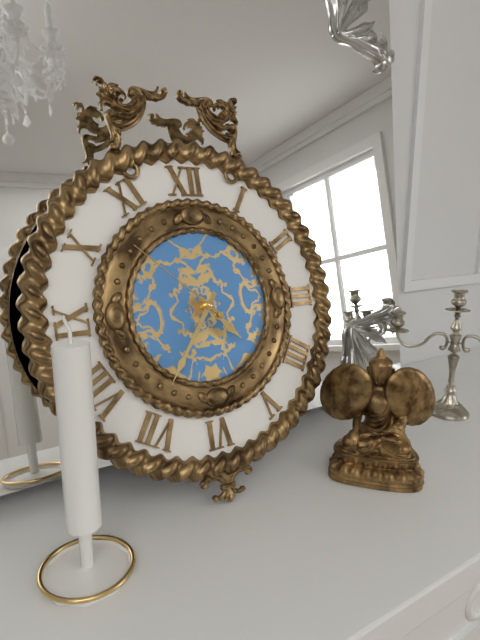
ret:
4:36:52
